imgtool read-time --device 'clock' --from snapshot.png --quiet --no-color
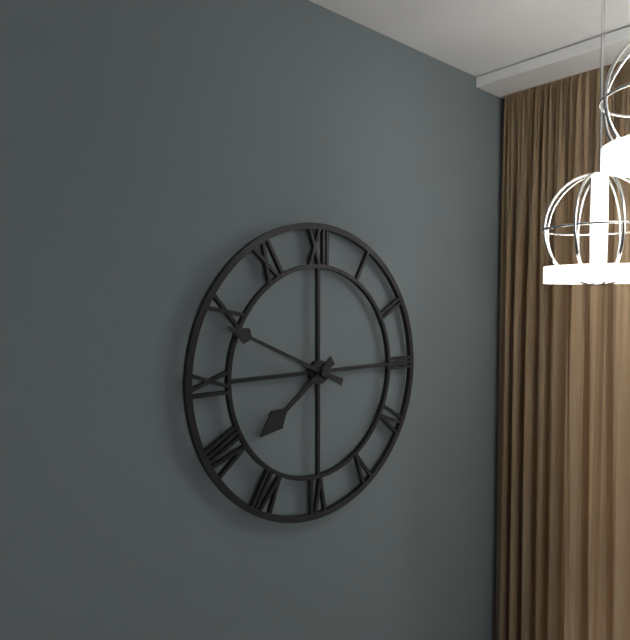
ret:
7:49
